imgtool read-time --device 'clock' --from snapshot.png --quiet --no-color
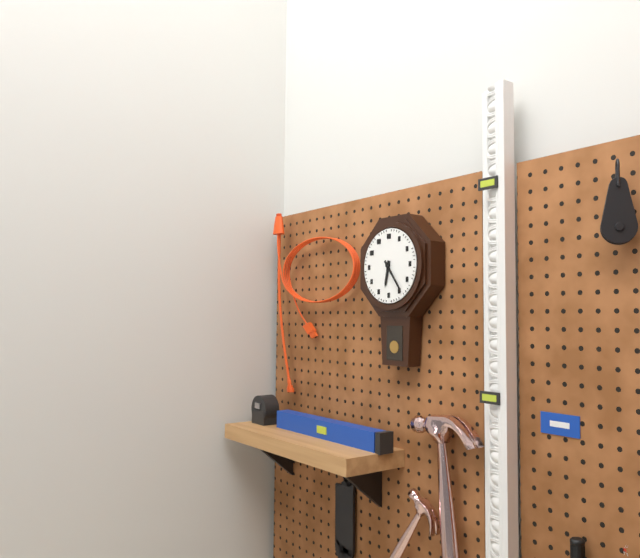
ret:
6:24
